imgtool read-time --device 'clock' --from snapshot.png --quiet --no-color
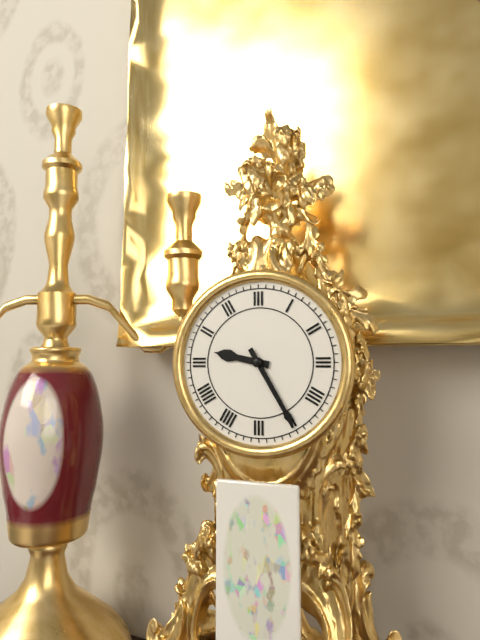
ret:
9:25
